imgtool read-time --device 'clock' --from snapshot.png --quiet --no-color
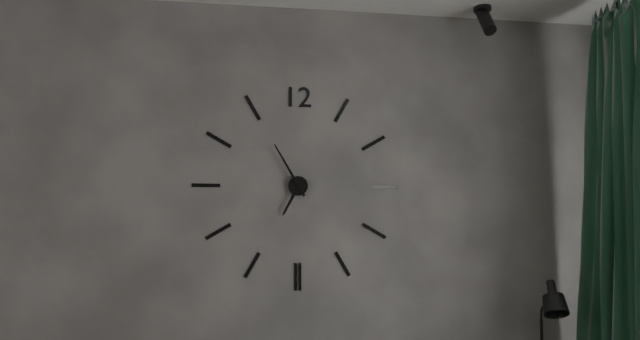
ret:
6:55
